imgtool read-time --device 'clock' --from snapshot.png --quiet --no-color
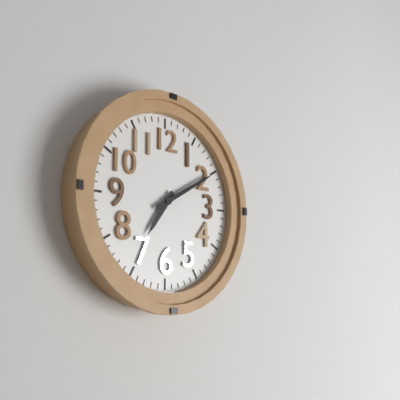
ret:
7:10
